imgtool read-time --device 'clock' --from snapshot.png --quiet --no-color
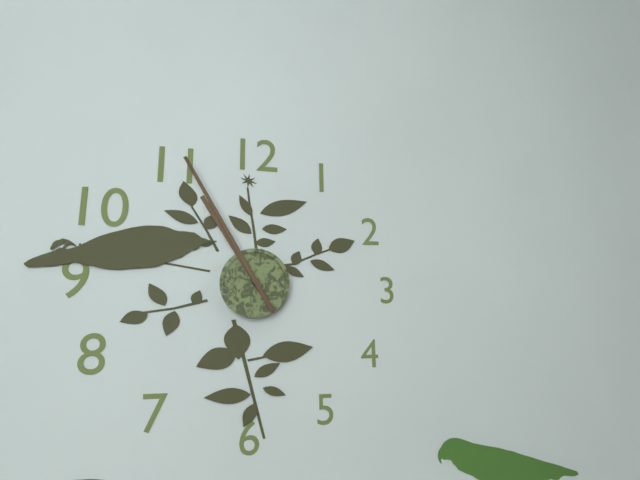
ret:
10:55
